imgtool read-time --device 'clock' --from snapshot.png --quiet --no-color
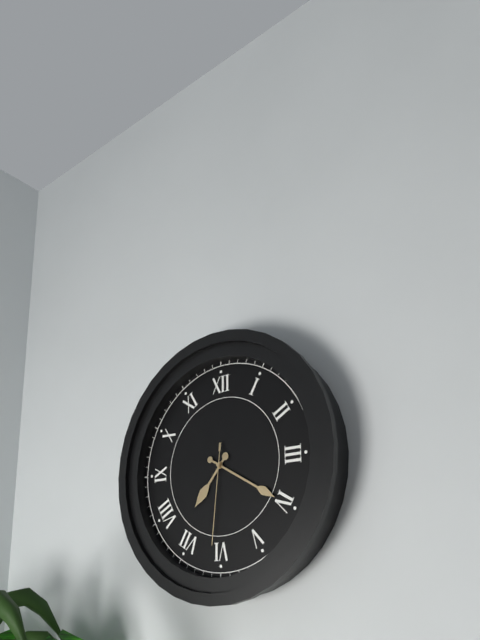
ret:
7:20:31
